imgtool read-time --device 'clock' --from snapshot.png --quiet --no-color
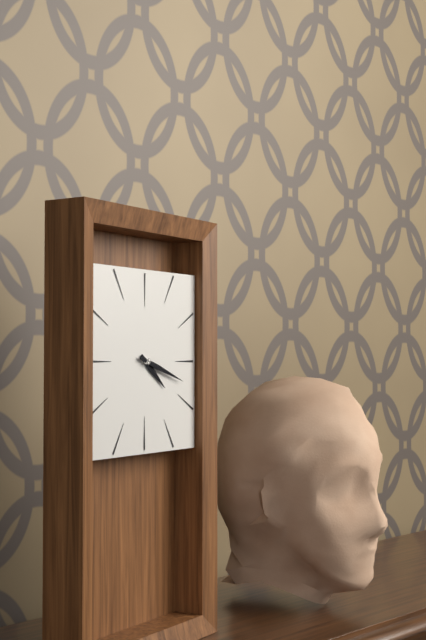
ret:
4:18
